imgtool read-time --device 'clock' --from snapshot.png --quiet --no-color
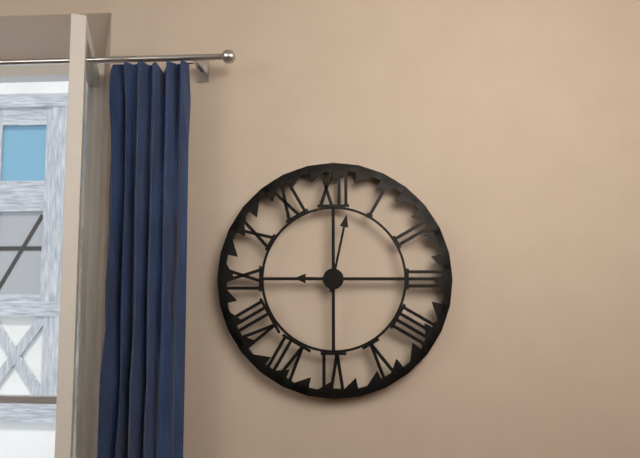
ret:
9:02
